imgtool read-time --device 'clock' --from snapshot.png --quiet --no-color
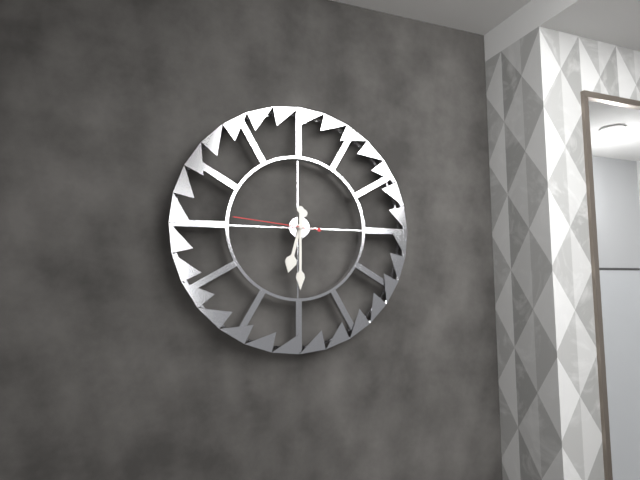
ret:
6:30:46
